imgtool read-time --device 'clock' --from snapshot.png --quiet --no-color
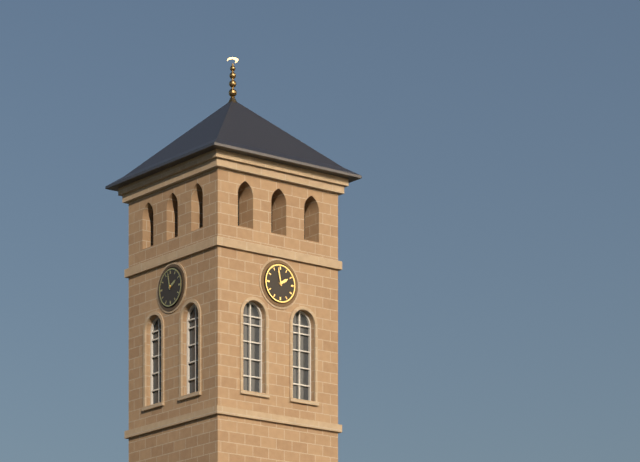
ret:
1:58
